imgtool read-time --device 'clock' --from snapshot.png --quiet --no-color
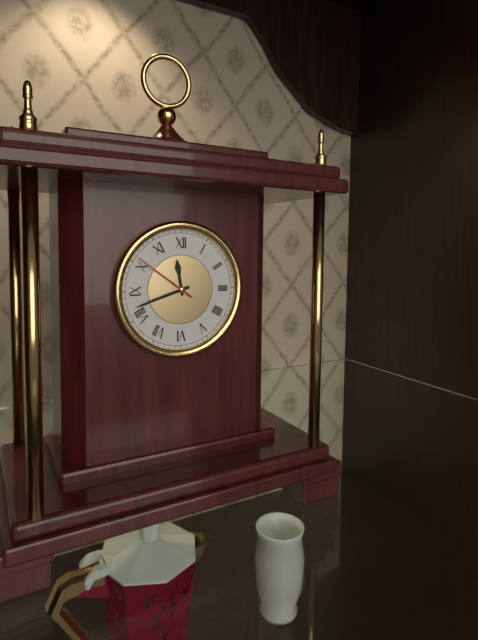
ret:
11:42:51
